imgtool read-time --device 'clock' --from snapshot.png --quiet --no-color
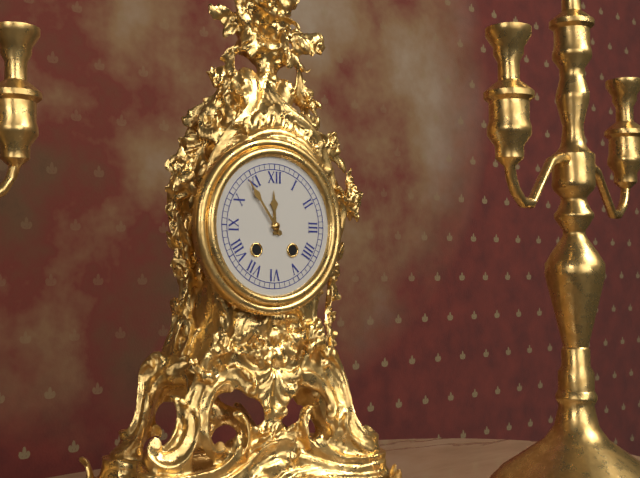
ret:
11:54
